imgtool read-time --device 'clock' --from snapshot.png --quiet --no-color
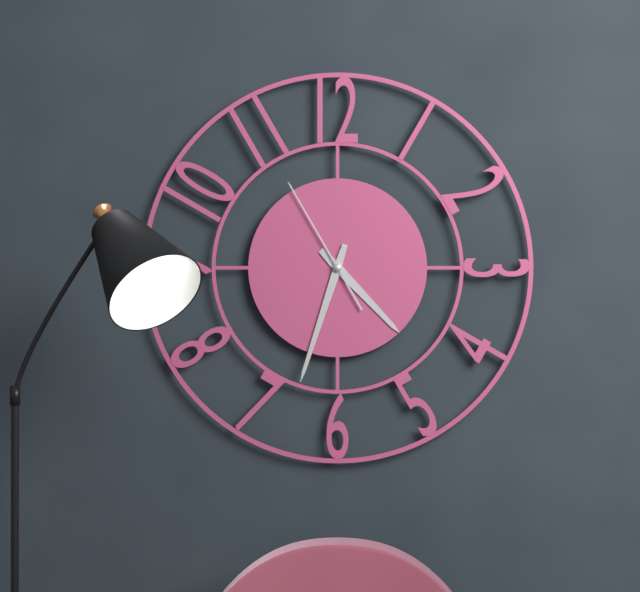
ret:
4:33:55
